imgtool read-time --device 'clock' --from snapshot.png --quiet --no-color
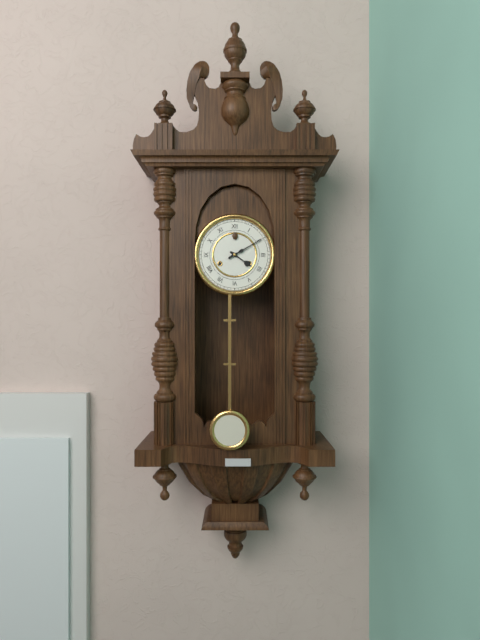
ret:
4:10
